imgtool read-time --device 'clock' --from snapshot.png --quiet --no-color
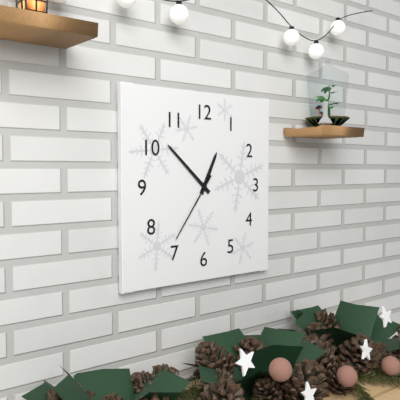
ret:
12:52:36
